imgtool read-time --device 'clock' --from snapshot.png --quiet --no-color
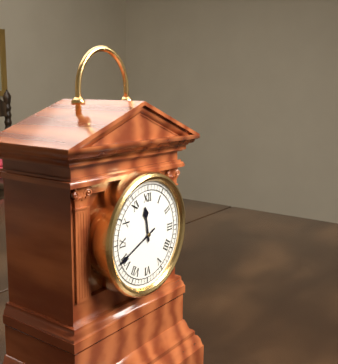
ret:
11:41
